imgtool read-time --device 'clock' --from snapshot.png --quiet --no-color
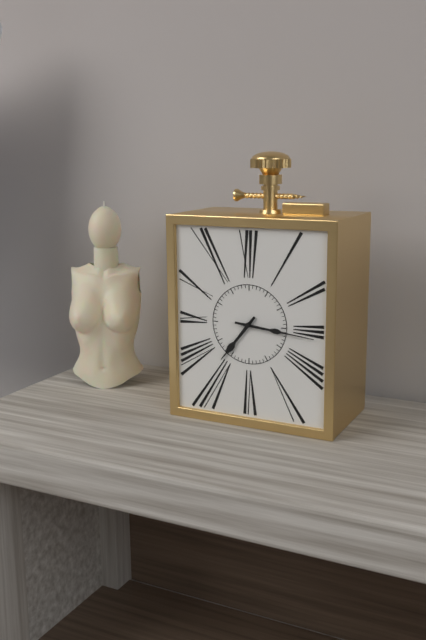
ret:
7:16
